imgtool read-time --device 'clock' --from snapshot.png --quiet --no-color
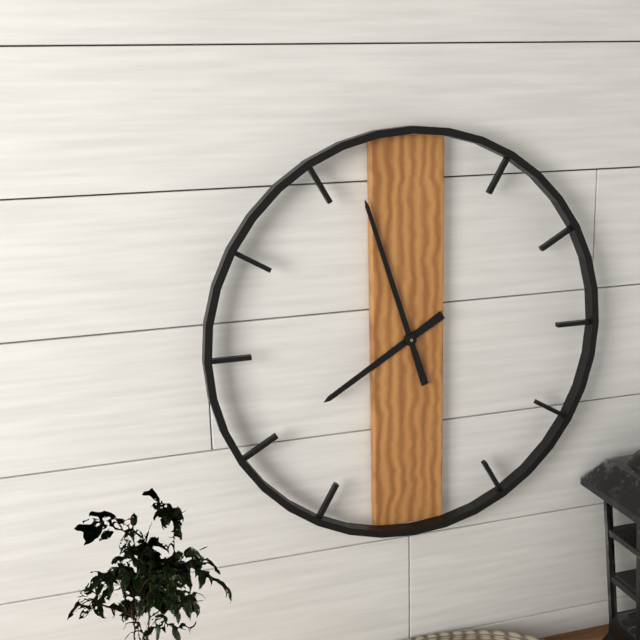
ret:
7:57
